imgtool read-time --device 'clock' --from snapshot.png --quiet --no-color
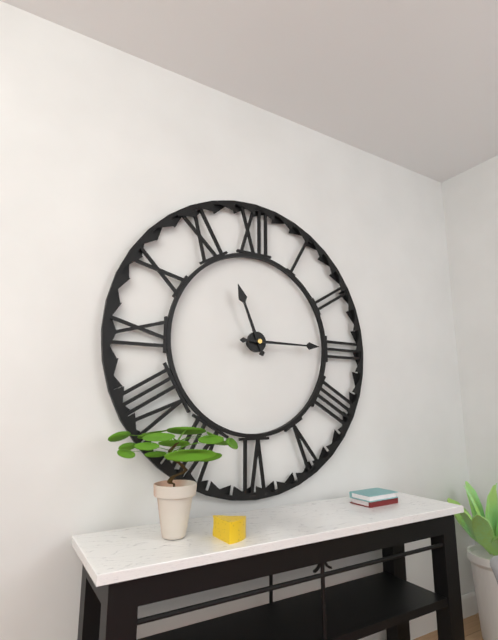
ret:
11:15
